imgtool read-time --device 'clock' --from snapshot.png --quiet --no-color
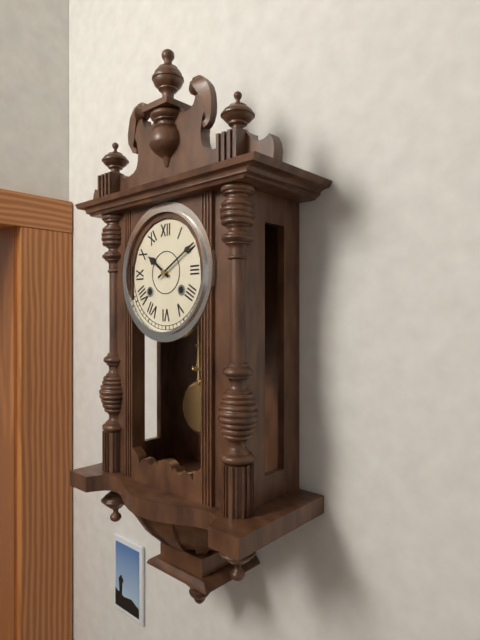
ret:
10:10
